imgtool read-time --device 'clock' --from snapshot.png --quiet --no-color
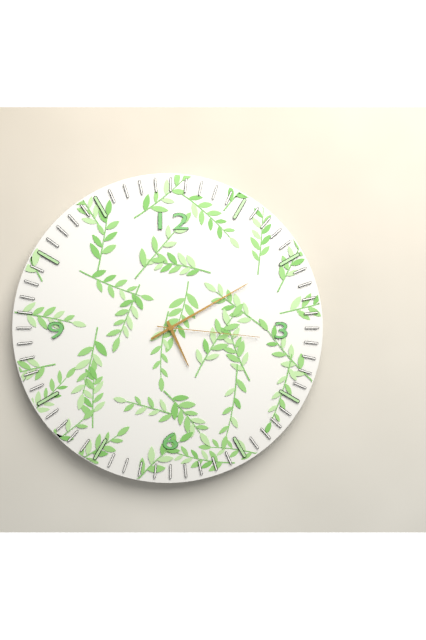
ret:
5:10:16
